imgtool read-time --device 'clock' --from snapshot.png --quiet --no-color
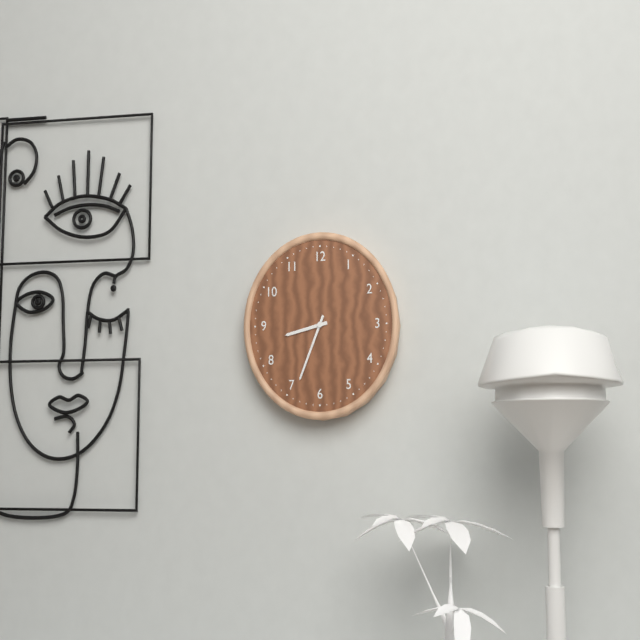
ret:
8:34
